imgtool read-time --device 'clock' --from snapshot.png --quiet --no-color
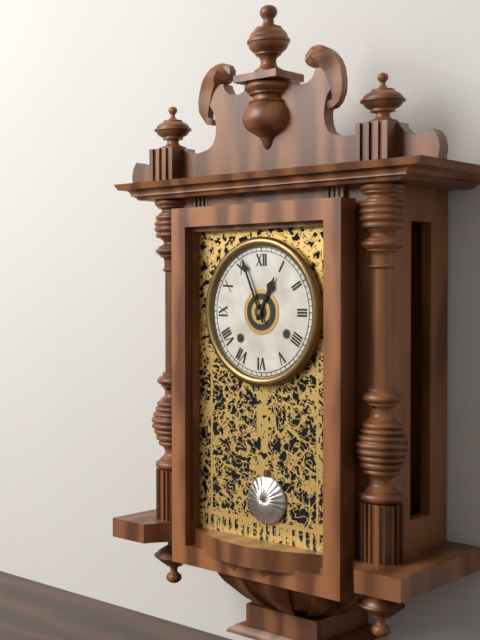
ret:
12:56
